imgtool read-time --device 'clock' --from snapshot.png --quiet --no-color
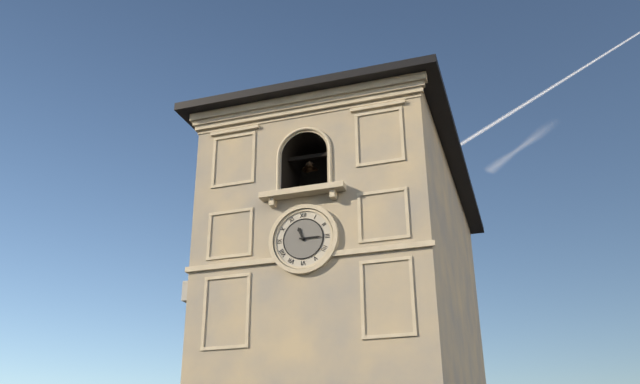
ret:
11:15
